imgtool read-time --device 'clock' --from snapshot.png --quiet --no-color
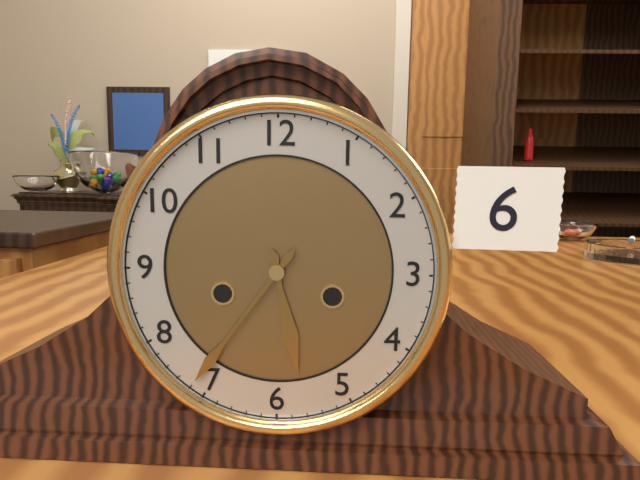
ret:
5:36
